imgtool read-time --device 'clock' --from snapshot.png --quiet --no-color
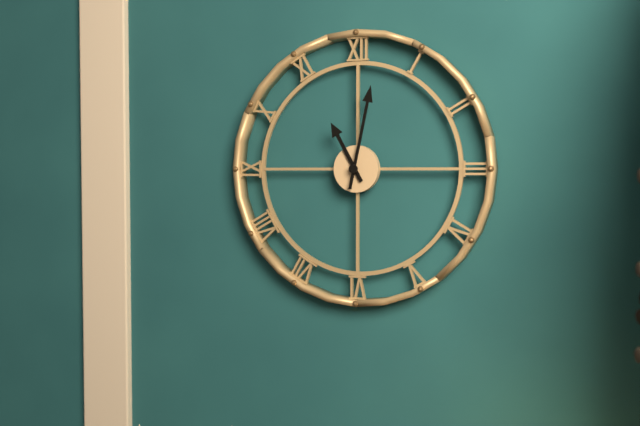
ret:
11:02
